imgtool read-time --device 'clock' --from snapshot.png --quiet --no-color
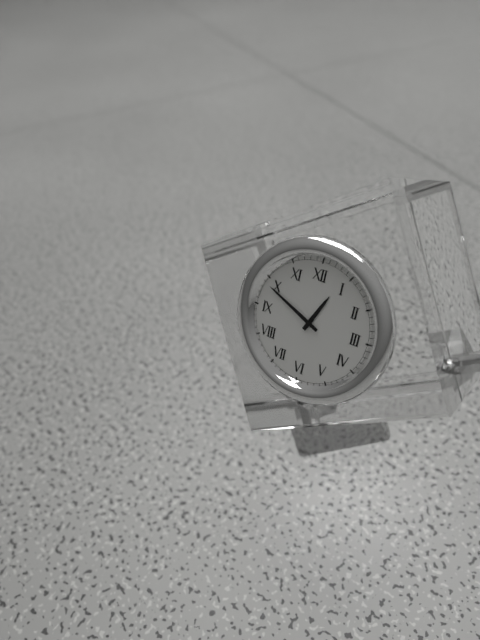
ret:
12:49
